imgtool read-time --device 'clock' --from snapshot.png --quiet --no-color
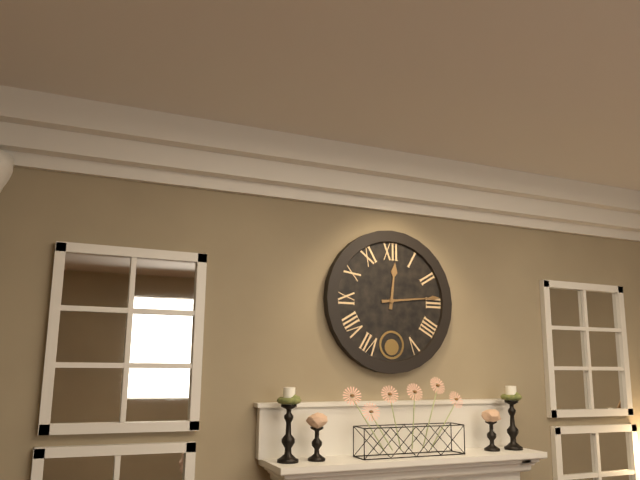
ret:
12:14
